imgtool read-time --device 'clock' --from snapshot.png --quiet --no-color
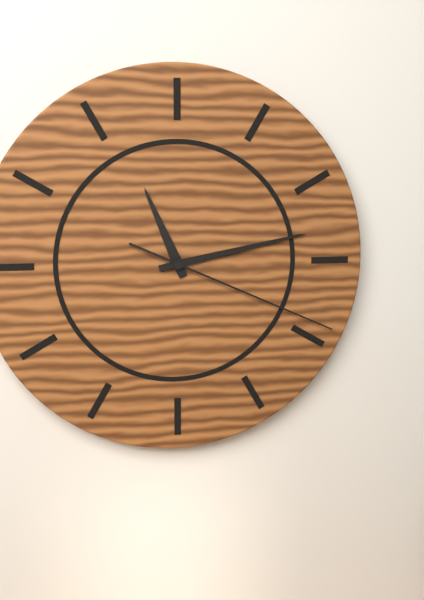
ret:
11:13:19
